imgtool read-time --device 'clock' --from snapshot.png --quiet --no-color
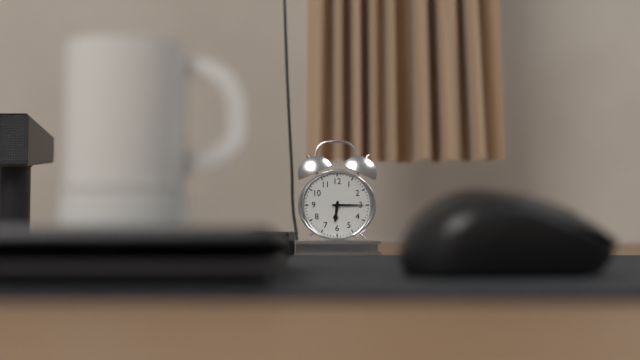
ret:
6:15
